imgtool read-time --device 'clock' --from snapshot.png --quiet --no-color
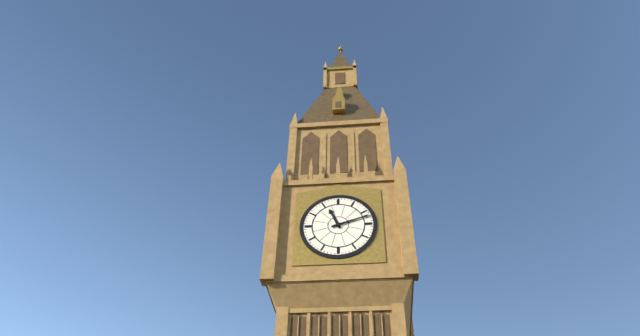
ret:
11:12
